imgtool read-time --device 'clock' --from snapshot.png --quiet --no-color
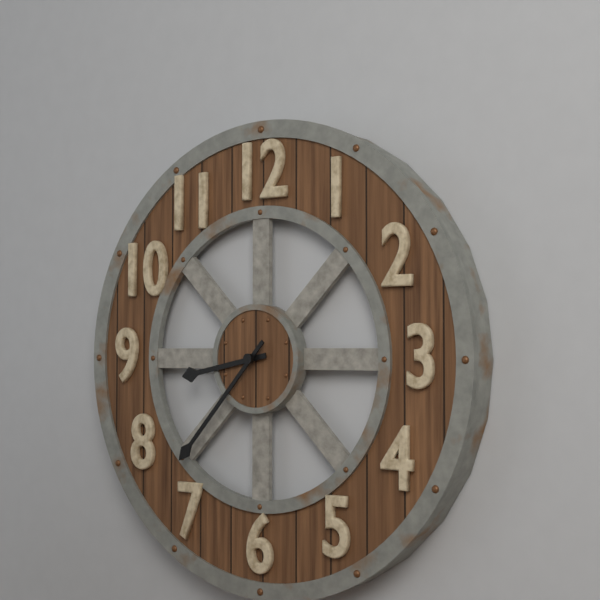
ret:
8:37
